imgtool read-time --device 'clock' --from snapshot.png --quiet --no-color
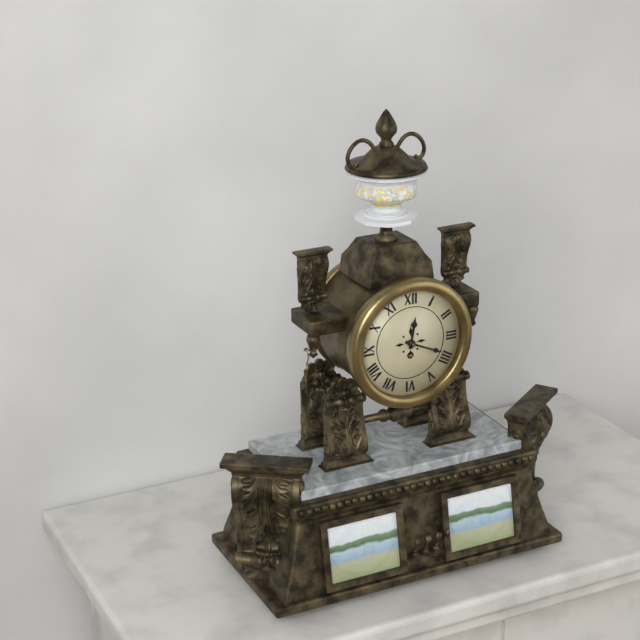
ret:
12:19
